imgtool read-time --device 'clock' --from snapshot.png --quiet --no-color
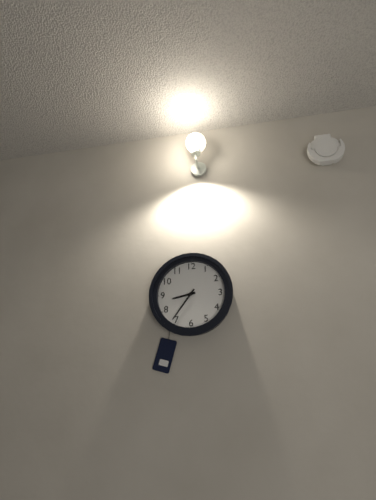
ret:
8:36
